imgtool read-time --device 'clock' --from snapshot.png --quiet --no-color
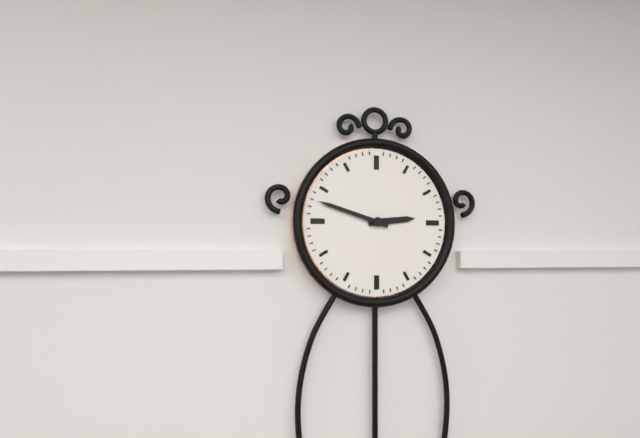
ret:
2:48
